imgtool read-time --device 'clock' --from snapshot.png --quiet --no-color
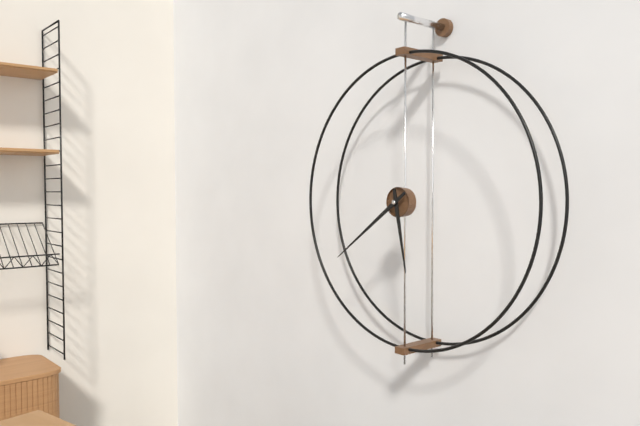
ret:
5:39
